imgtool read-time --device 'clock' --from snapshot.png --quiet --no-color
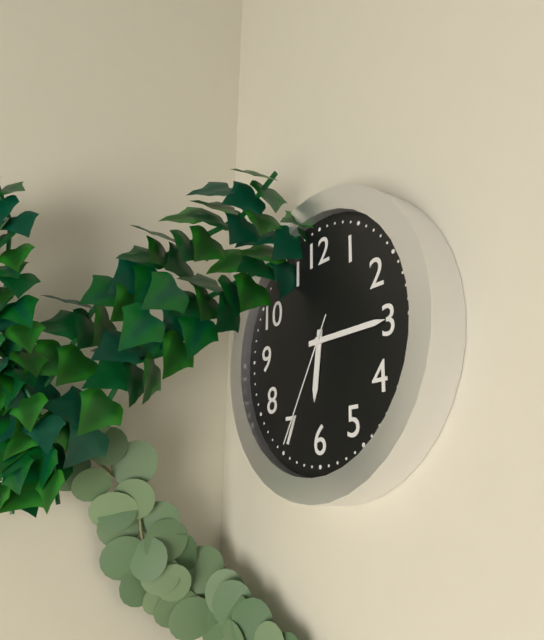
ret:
6:15:35
